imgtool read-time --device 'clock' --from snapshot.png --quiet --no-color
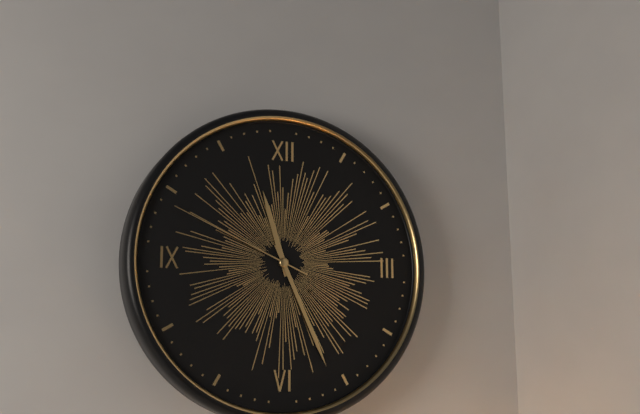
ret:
11:26:49
